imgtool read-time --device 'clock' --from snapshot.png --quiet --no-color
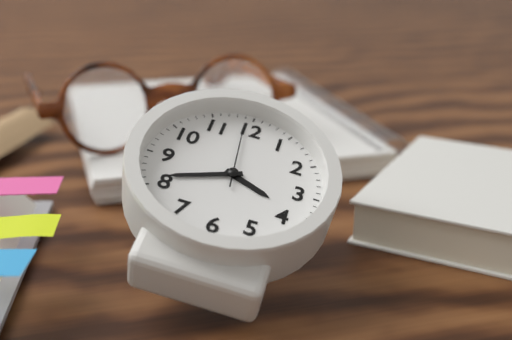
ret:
3:41:59
